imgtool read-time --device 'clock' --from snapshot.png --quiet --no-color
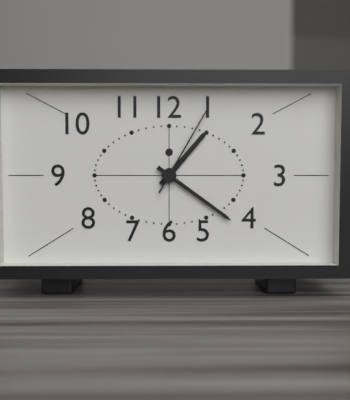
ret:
1:21:05
